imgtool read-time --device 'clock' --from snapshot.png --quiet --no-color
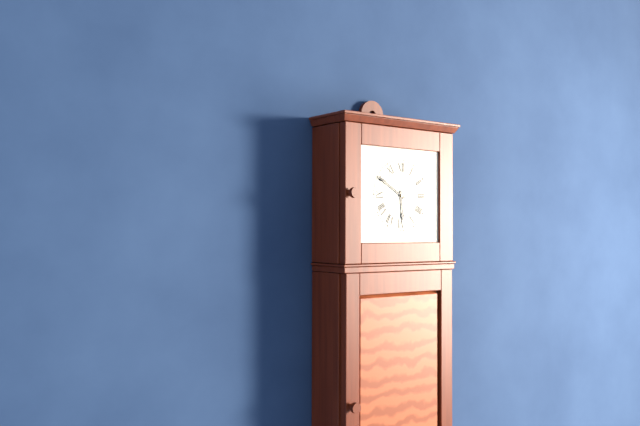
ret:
5:50
